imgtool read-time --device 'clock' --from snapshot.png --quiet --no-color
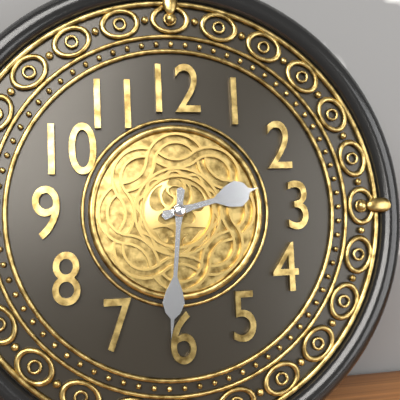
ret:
2:31
